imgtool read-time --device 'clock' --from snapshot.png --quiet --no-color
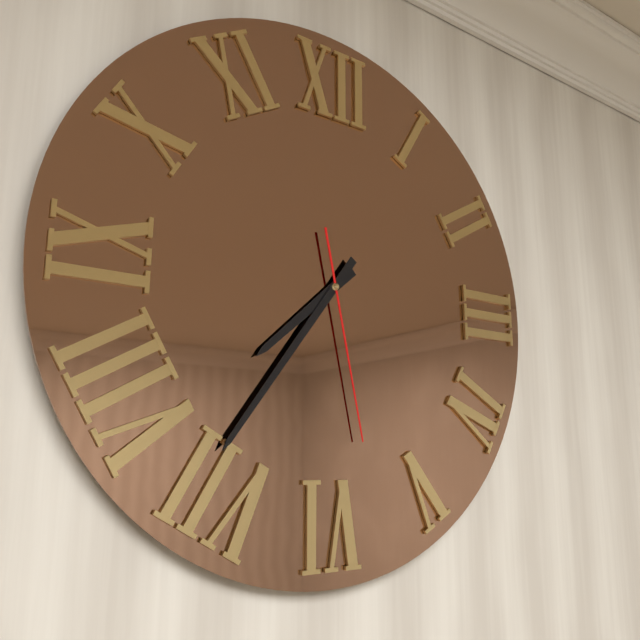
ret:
7:36:28
